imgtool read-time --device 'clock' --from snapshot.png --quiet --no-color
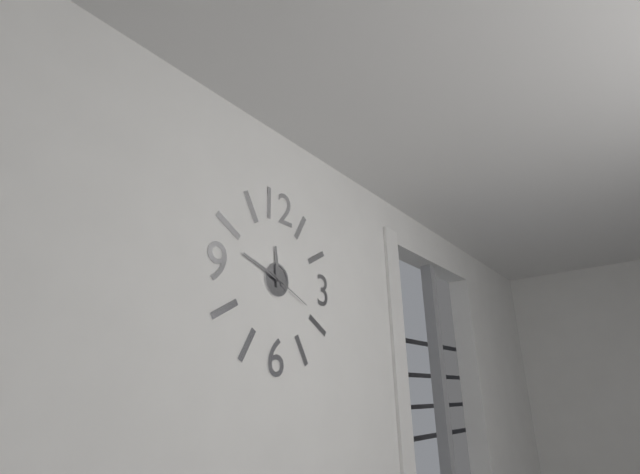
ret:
11:48
